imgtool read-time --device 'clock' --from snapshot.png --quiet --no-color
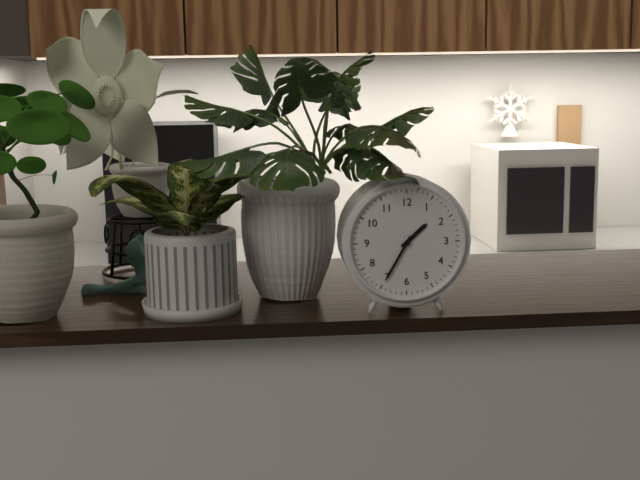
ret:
1:35
